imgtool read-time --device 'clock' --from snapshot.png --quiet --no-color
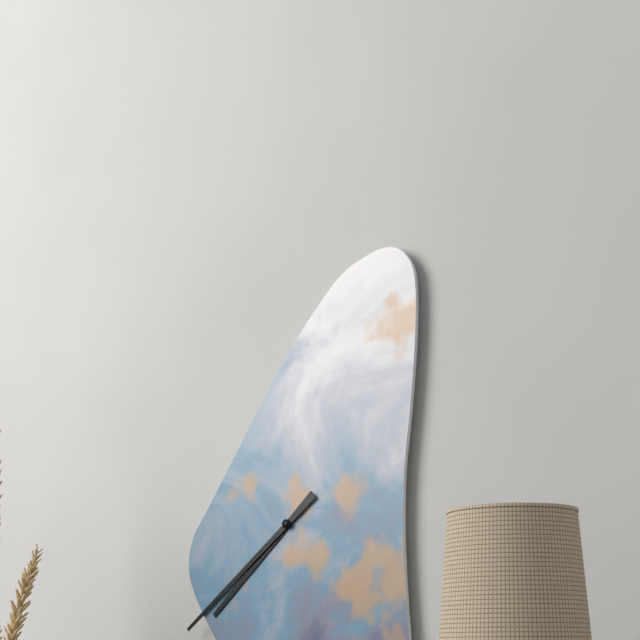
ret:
7:39
